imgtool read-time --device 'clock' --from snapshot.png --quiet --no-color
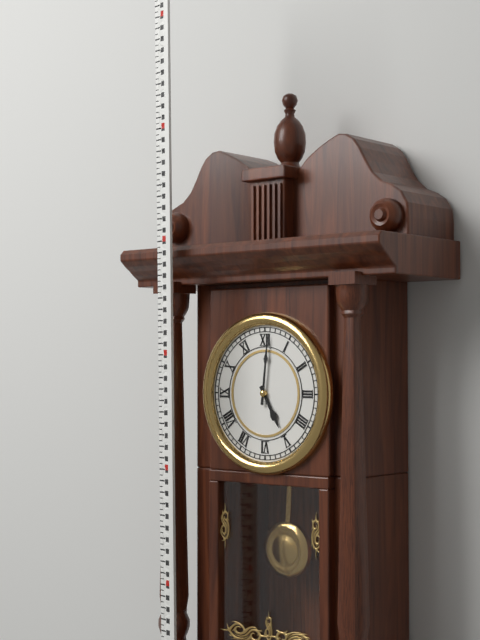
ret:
5:01
